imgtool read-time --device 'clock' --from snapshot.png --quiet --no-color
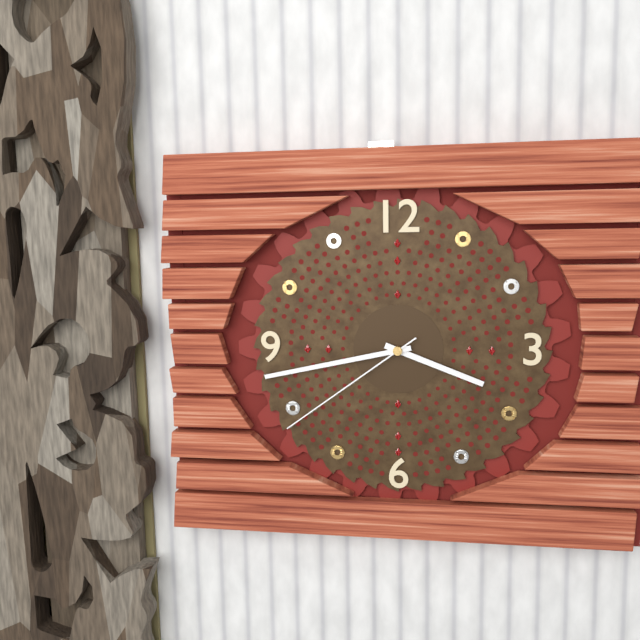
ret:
3:43:39
